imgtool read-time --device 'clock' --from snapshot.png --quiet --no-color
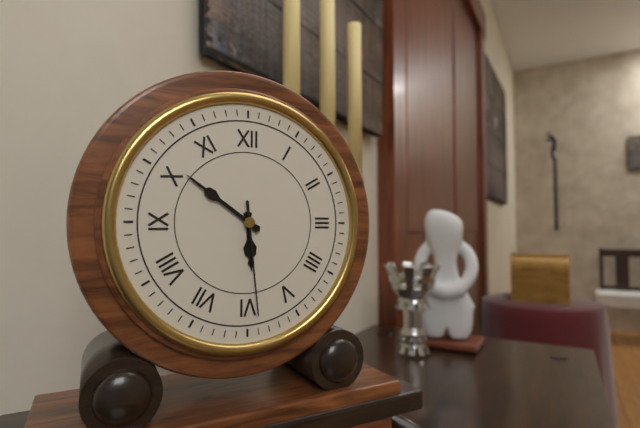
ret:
5:51:29
